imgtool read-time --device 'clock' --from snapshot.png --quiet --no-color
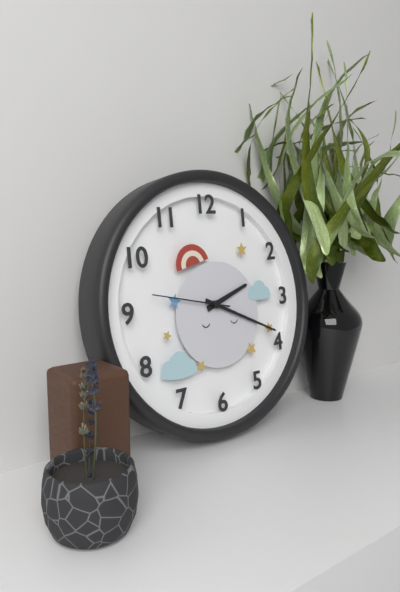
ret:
2:19:47
